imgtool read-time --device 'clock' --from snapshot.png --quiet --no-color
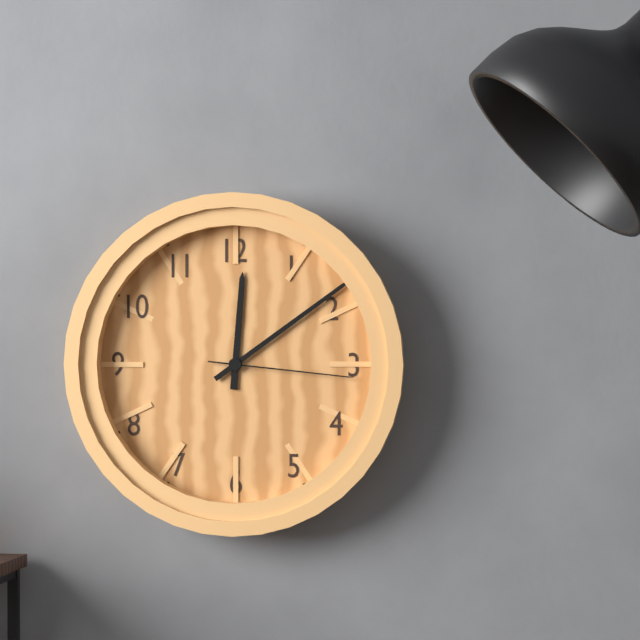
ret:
12:09:16
